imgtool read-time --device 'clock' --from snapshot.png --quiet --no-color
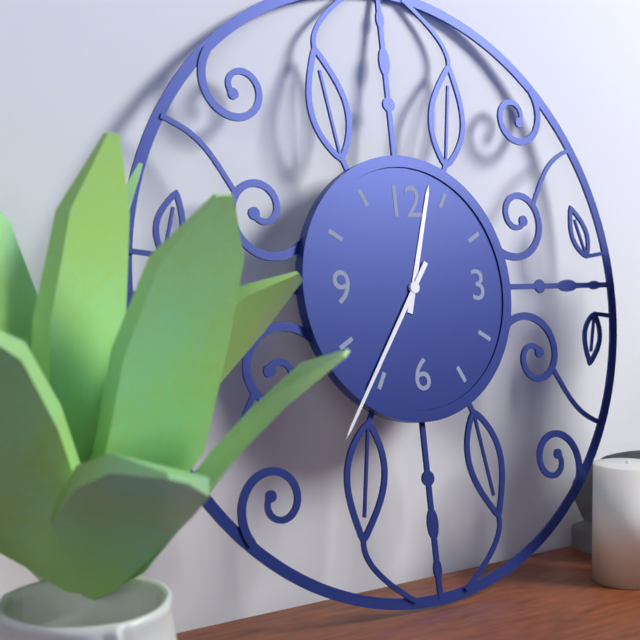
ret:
12:36
